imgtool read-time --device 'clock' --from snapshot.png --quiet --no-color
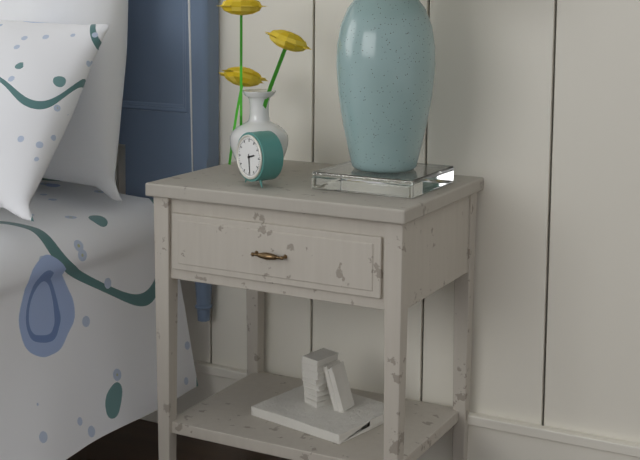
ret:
2:29
